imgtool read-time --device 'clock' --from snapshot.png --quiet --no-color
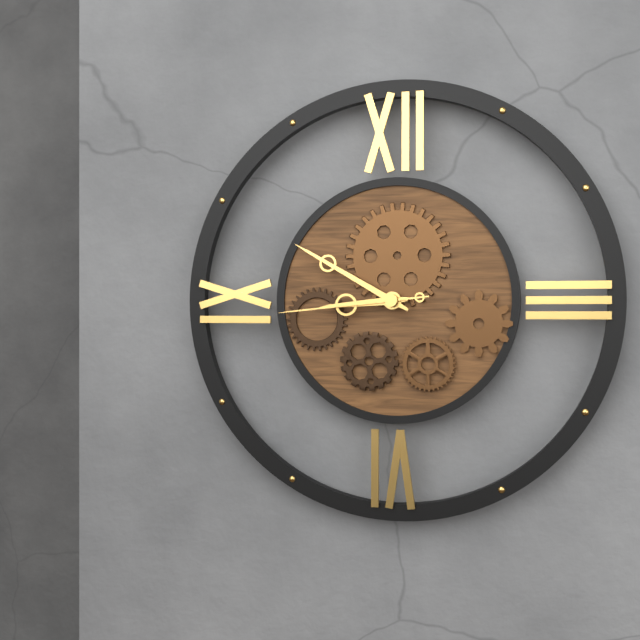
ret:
8:50:44
